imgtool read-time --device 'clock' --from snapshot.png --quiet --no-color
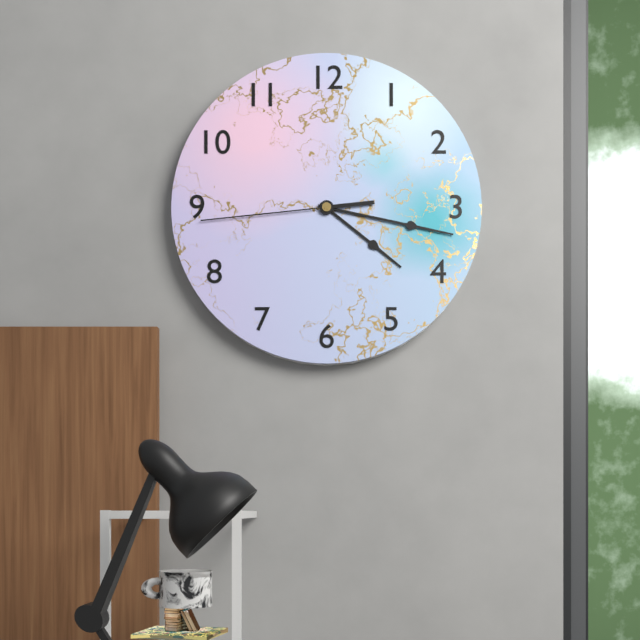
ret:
4:17:44
